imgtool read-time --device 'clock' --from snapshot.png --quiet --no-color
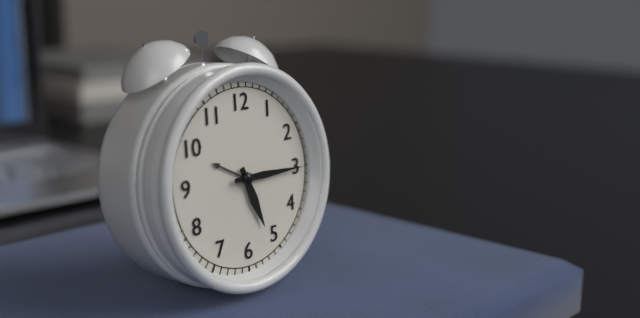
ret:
5:15
